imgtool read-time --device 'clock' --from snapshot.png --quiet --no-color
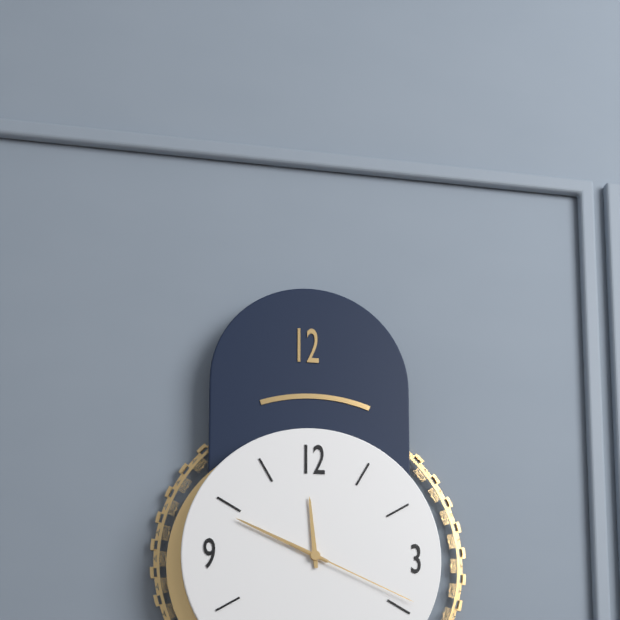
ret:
11:49:19
